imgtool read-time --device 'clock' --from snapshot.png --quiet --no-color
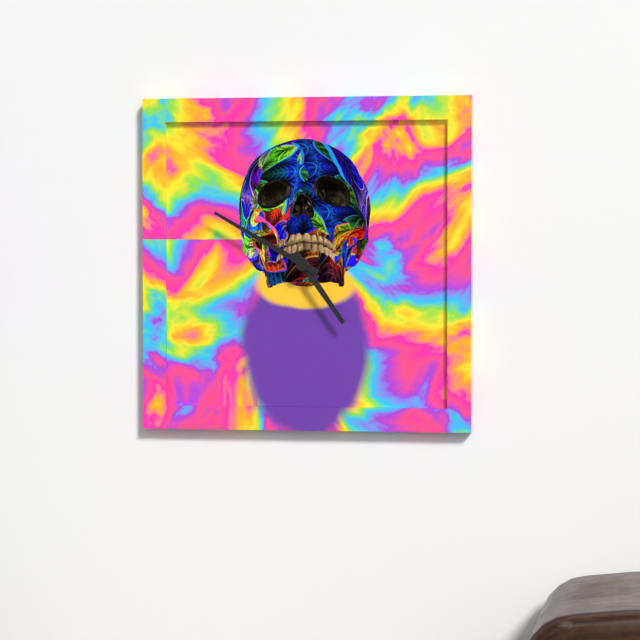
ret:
4:50
